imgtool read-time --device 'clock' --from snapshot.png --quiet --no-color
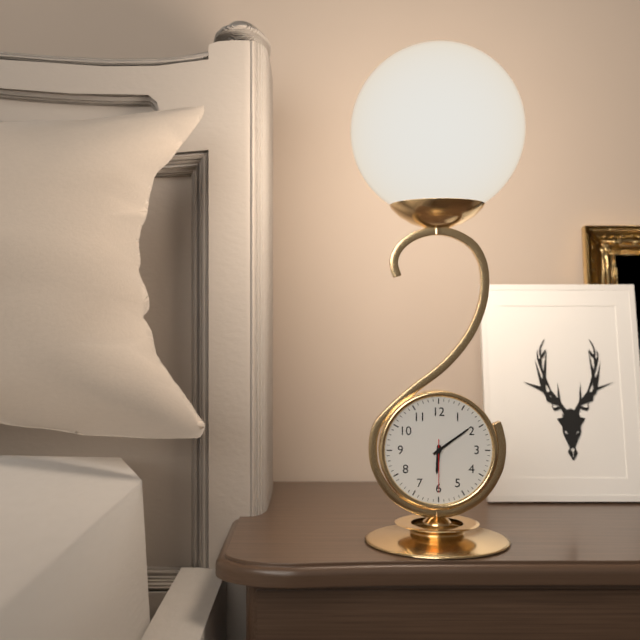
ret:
6:09:30
